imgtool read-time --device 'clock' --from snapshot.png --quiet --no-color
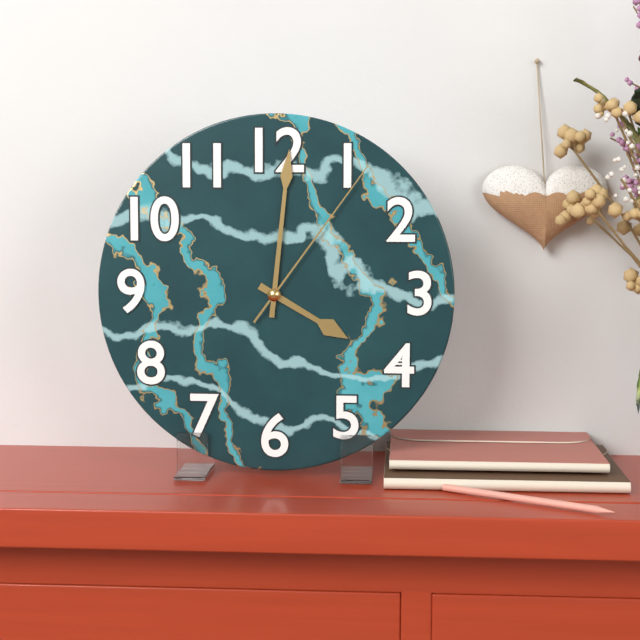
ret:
4:01:06
